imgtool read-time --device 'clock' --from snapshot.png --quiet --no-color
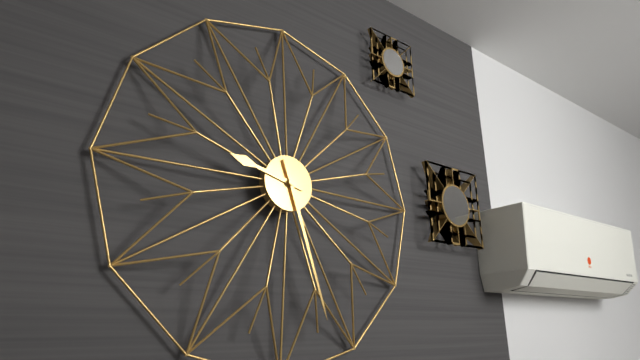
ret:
9:27
